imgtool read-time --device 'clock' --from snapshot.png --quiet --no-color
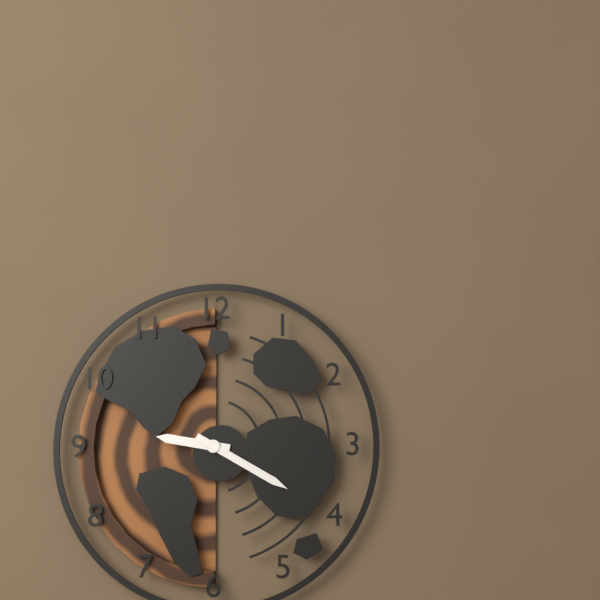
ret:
9:20
